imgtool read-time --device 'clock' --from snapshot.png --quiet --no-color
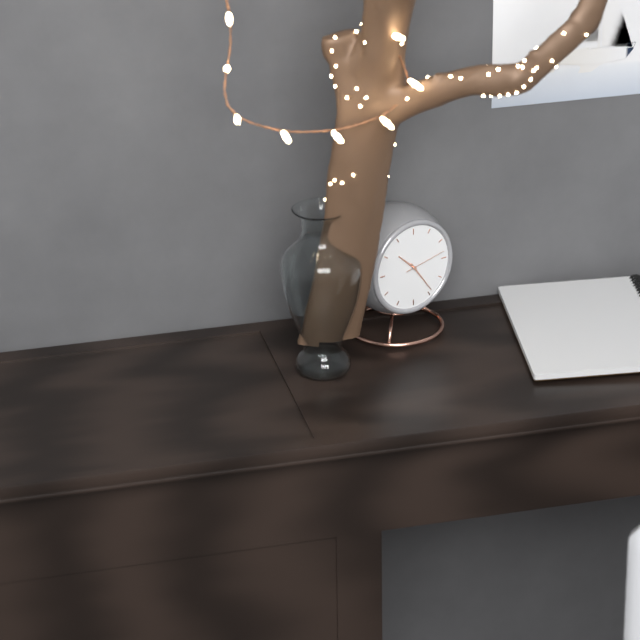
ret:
10:24
